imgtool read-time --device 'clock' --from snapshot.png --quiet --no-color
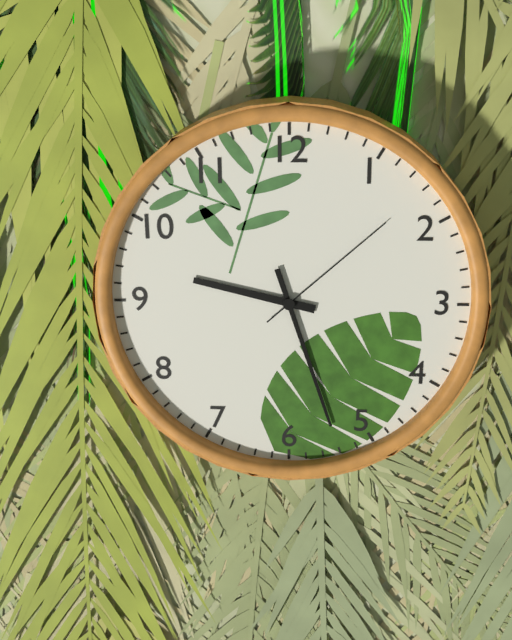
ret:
9:27:08
